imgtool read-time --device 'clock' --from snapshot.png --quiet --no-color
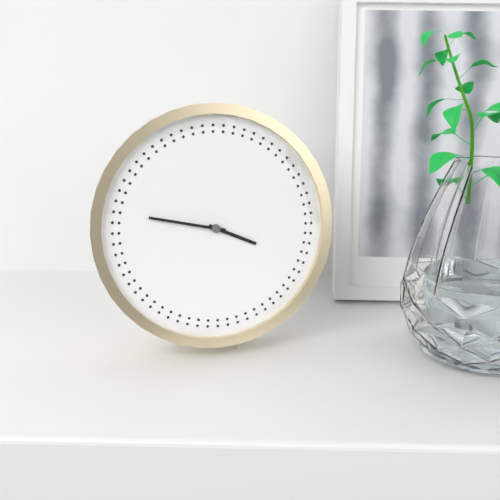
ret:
3:47
